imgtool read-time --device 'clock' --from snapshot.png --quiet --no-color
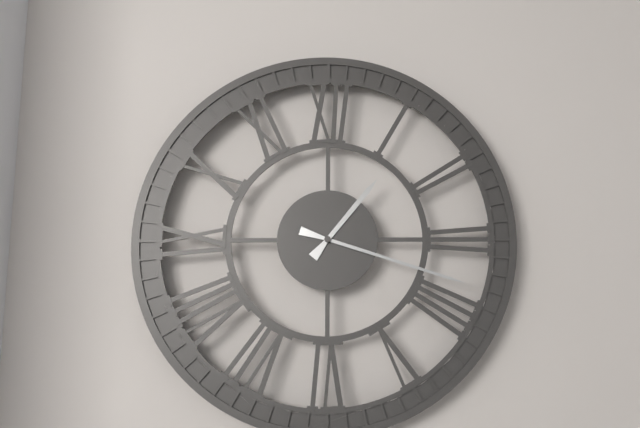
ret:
1:18
